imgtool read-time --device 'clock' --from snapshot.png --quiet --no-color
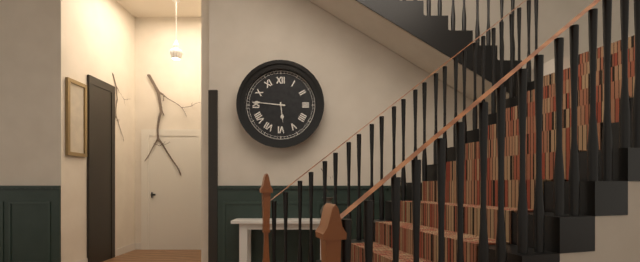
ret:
5:46
